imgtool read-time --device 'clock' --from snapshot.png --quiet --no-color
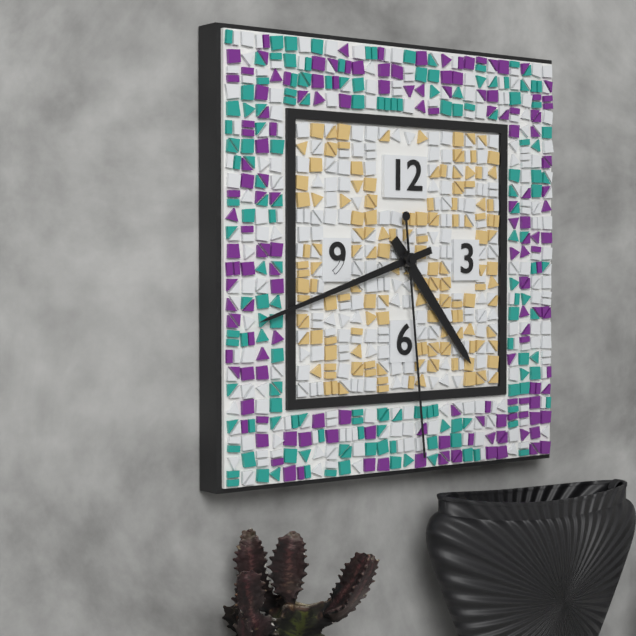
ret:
4:42:29
